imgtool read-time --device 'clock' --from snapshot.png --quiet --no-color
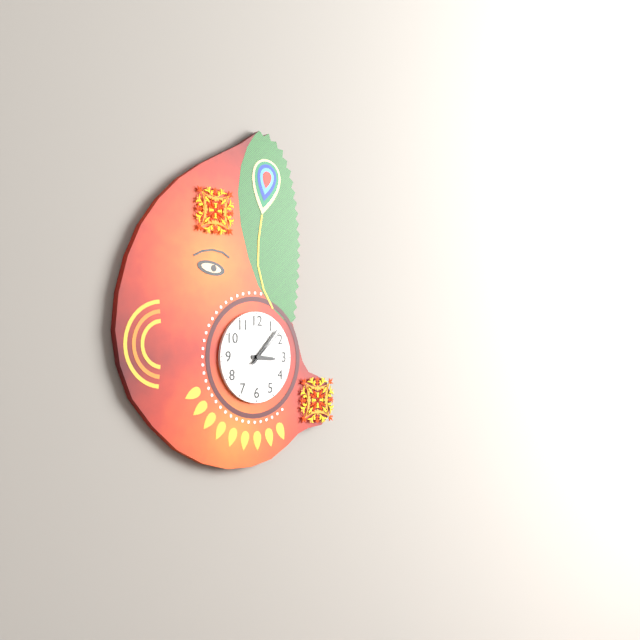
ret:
3:07
